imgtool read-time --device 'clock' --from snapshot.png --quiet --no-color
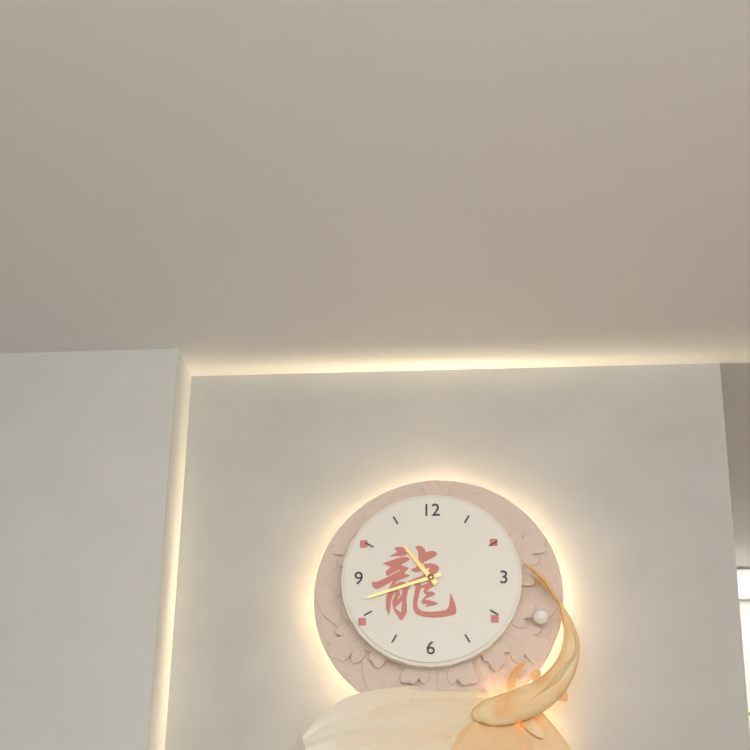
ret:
10:42
